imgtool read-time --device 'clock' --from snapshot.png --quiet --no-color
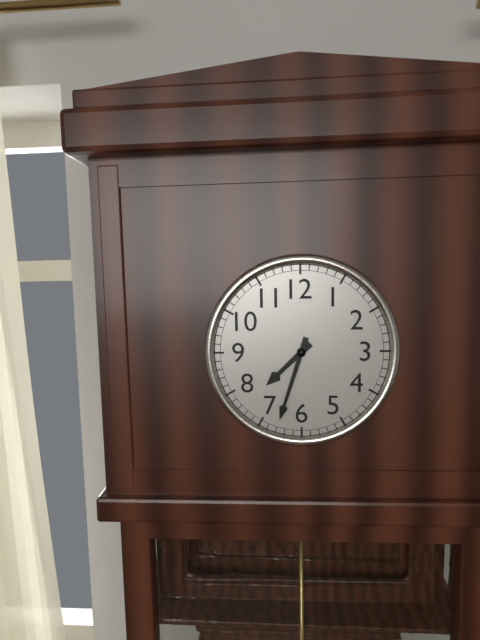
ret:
7:33
